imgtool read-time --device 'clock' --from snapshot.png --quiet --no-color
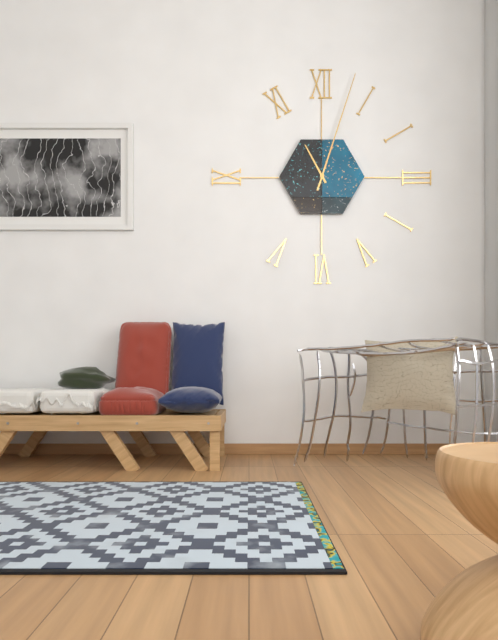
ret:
11:03
